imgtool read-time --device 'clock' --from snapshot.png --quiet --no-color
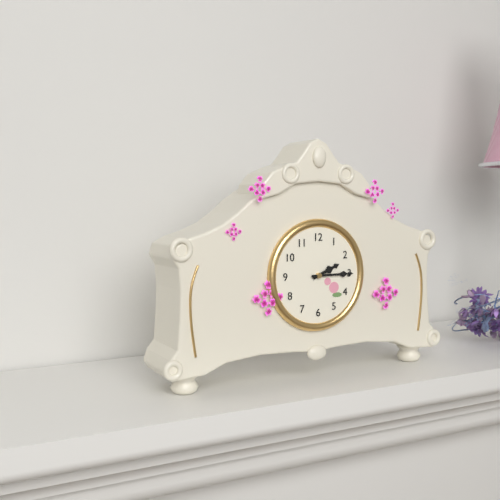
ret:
2:15
